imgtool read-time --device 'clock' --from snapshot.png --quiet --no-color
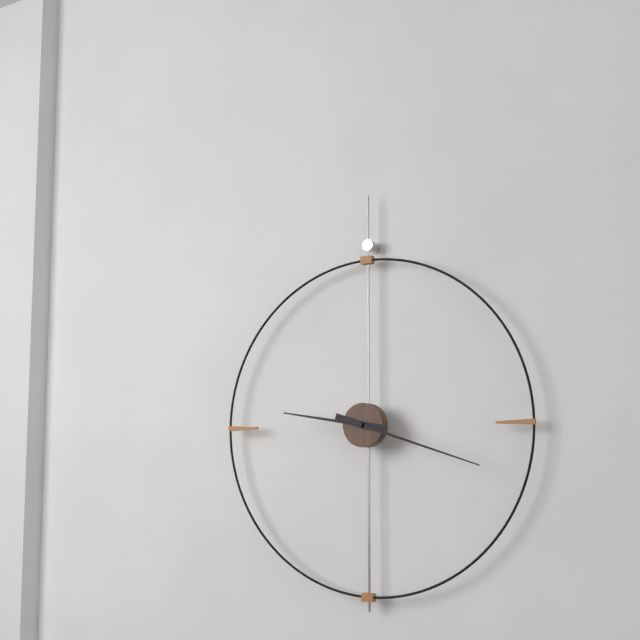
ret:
9:18
